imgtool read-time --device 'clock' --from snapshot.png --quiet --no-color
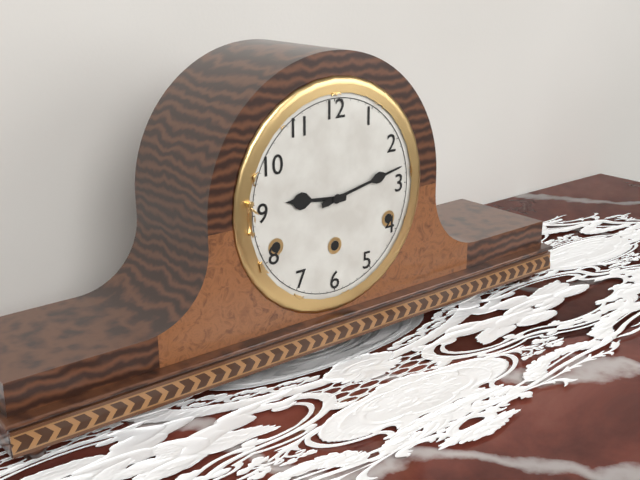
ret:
9:13
